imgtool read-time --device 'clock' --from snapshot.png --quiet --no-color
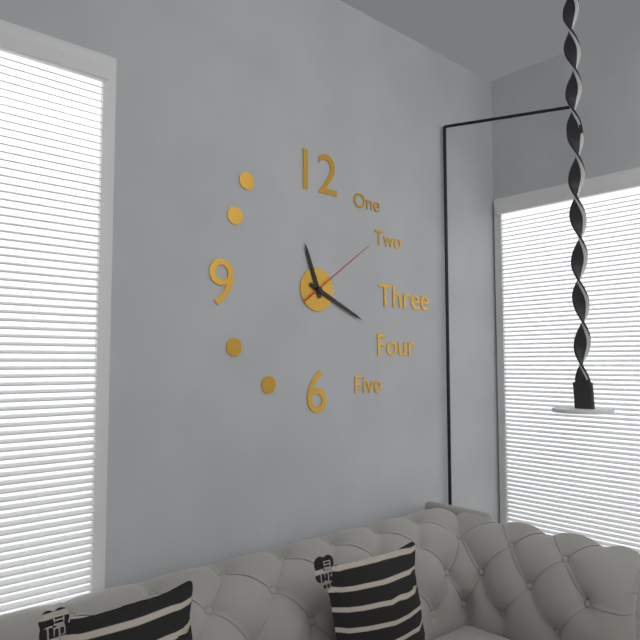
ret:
11:19:09
